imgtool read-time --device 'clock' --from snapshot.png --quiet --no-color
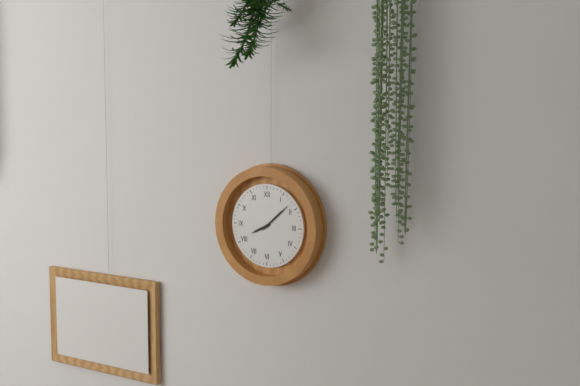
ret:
8:08
